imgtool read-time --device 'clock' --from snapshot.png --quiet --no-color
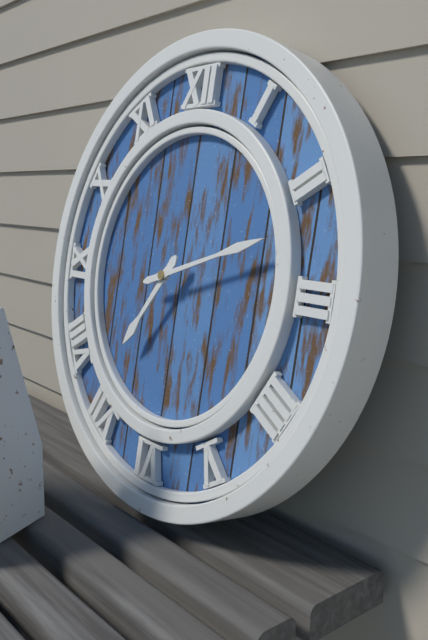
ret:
7:12
